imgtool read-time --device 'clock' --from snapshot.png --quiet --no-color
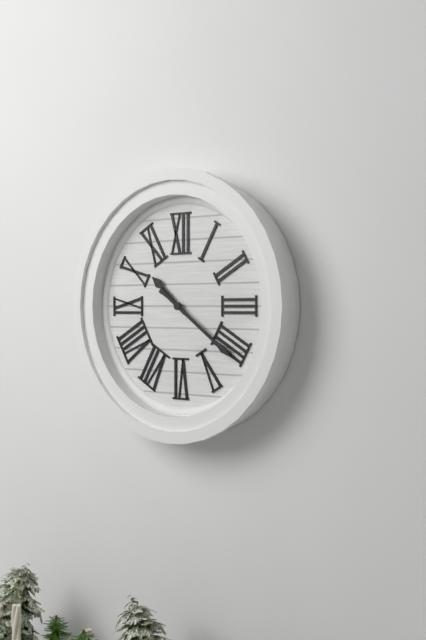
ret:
10:21
